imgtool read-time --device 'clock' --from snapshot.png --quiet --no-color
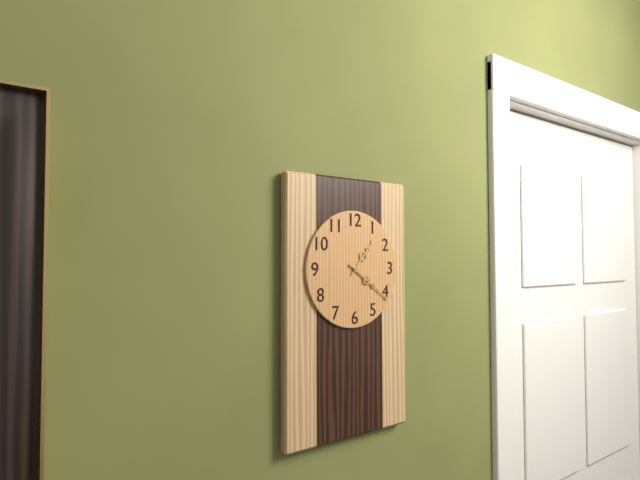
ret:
1:21
